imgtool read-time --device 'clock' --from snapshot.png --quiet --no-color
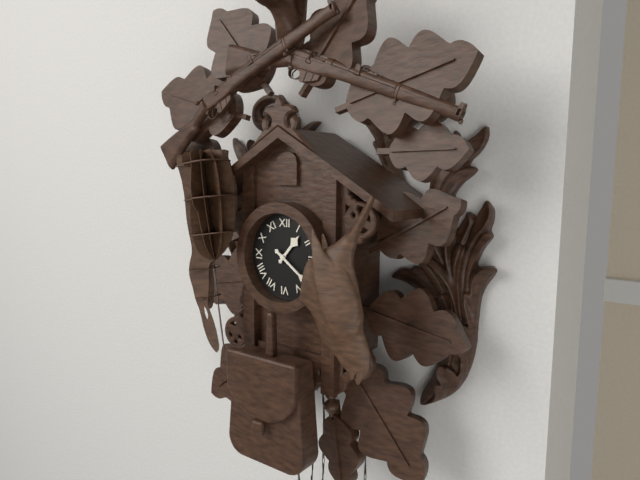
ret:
1:21
